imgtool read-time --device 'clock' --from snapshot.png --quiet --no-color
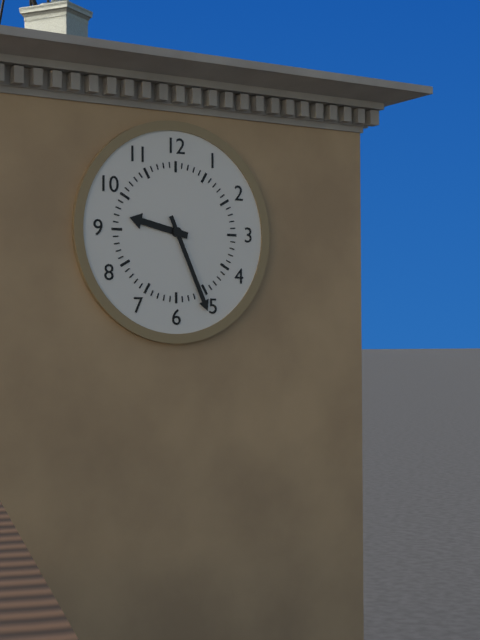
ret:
9:26
